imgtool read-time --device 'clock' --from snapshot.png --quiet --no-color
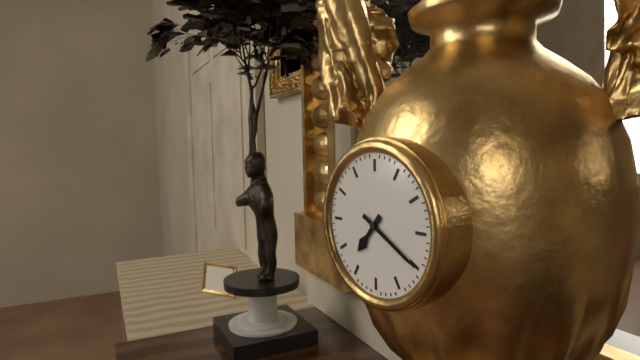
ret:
7:20
